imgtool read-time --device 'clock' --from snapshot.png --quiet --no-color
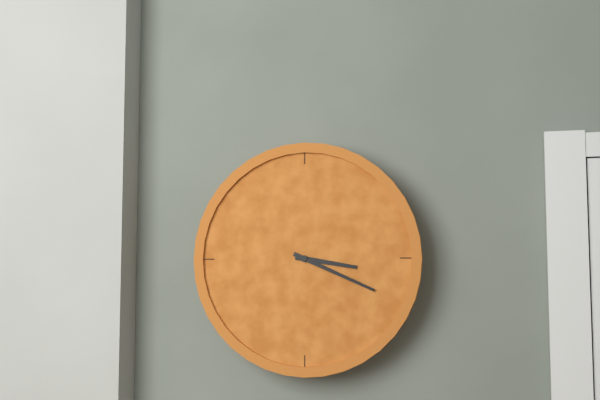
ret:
3:19
